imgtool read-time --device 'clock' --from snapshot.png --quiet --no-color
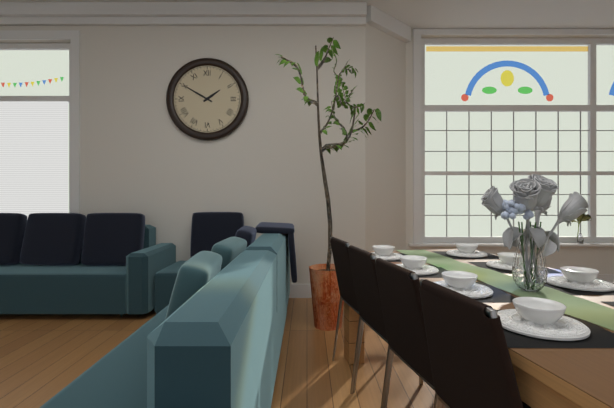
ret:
1:50
